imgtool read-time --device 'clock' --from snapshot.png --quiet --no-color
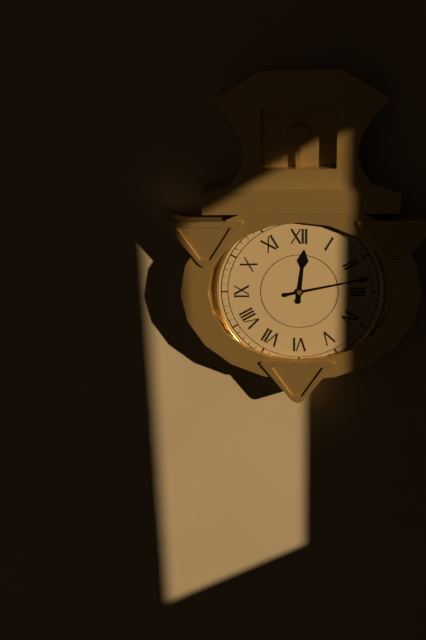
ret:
12:13
